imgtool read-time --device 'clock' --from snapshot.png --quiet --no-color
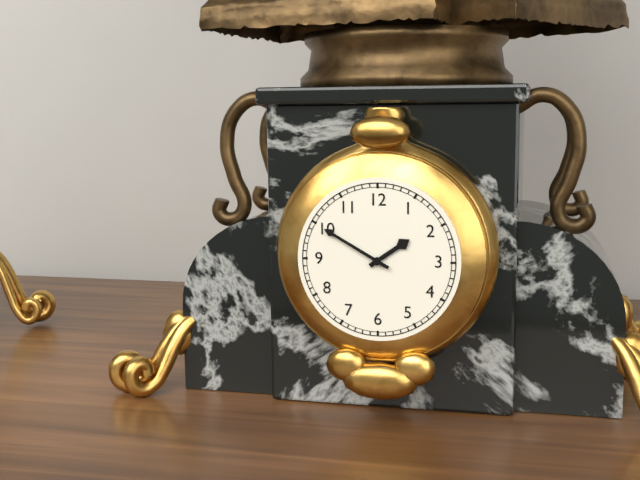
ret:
1:50
